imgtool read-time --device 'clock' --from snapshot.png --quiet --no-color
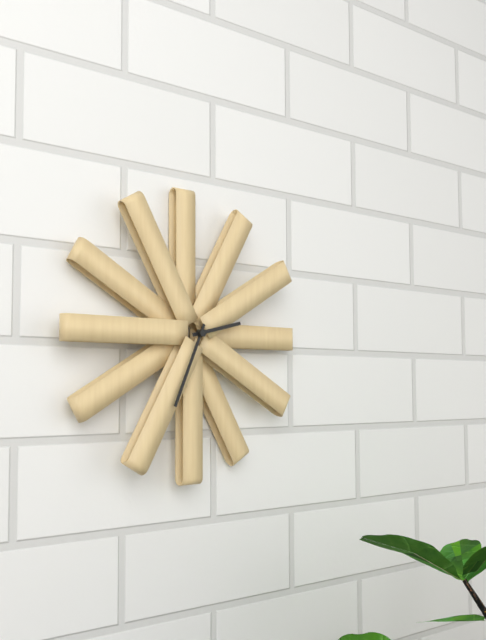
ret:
2:34
